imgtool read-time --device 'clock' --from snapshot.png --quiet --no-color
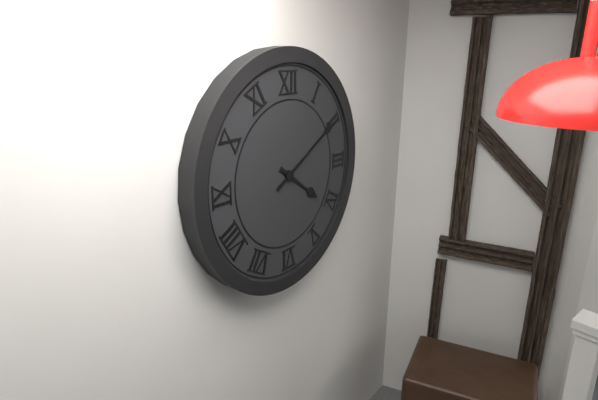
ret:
4:10
